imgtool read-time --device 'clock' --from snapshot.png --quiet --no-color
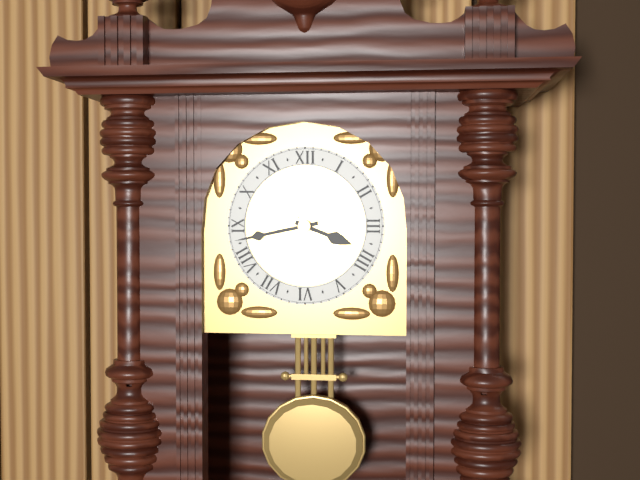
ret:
3:43
